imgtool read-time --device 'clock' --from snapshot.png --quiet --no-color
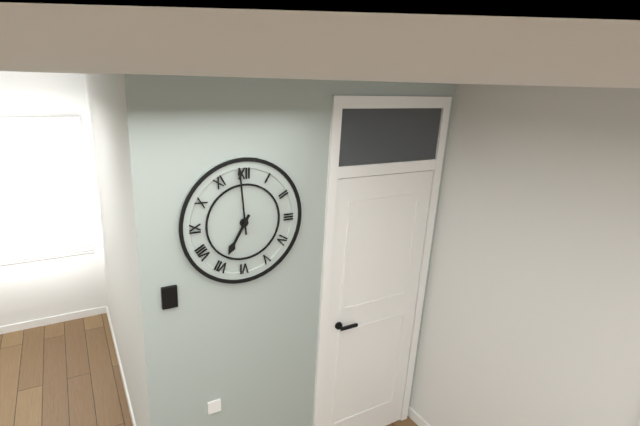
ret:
6:59
